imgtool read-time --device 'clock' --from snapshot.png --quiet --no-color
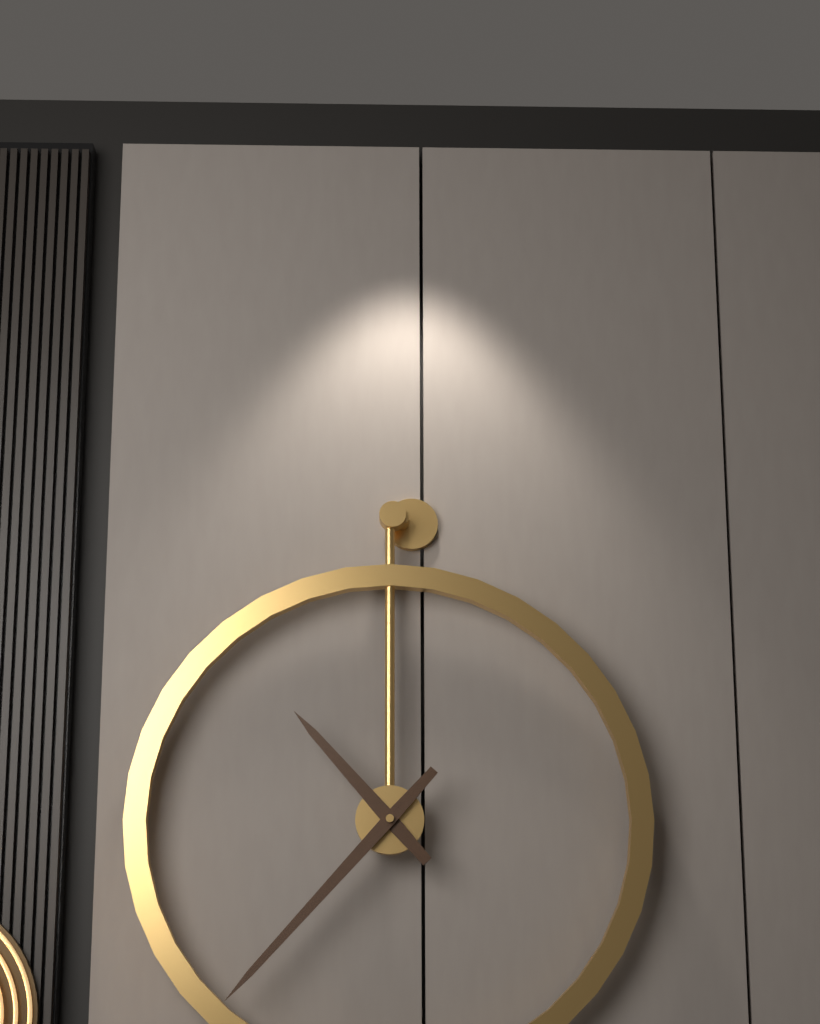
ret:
10:37
